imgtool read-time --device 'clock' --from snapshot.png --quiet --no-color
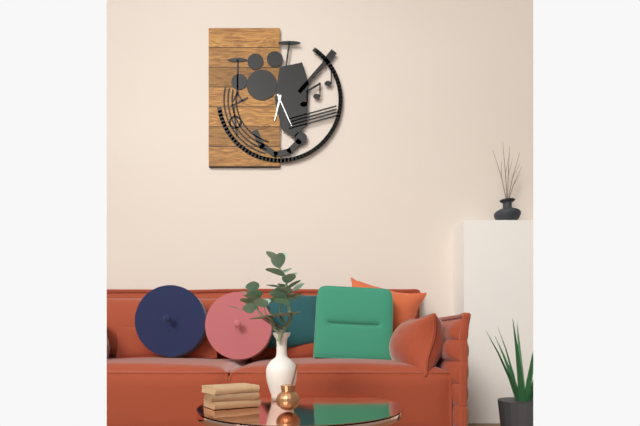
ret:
6:26
